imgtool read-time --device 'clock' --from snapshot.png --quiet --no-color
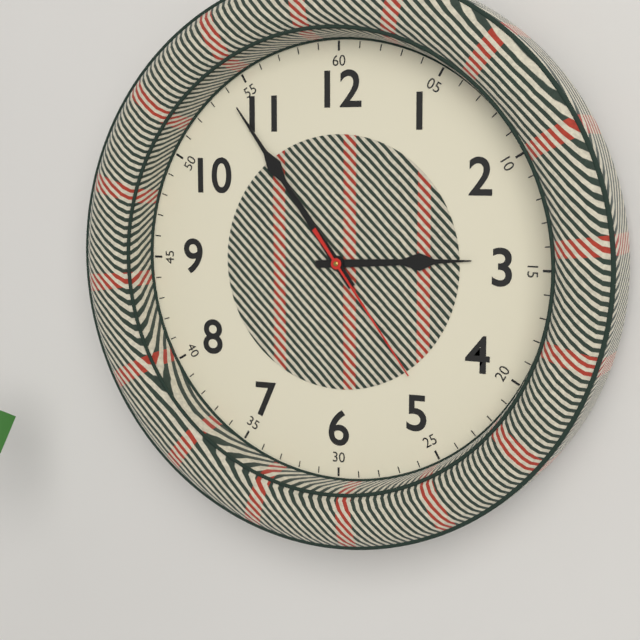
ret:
2:54:24
